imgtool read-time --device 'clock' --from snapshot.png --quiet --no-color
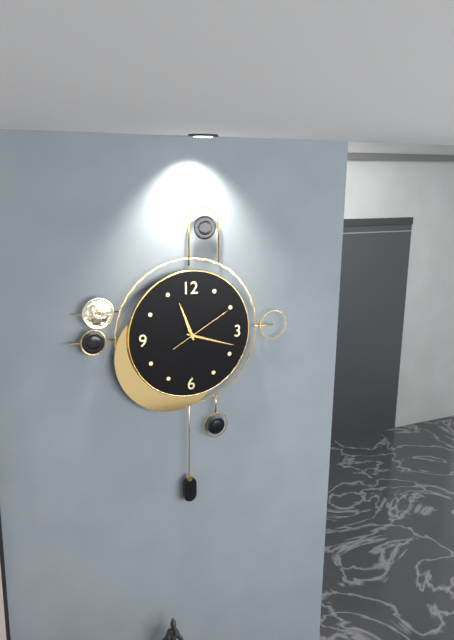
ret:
11:18:10
